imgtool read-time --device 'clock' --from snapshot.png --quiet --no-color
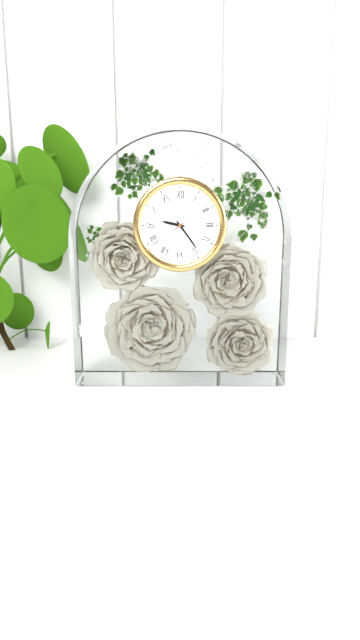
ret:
9:24
